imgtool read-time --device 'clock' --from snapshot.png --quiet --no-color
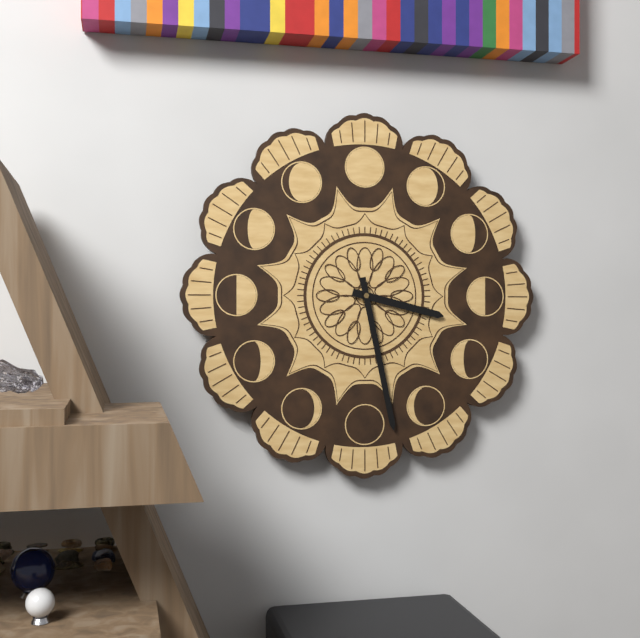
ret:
3:28
